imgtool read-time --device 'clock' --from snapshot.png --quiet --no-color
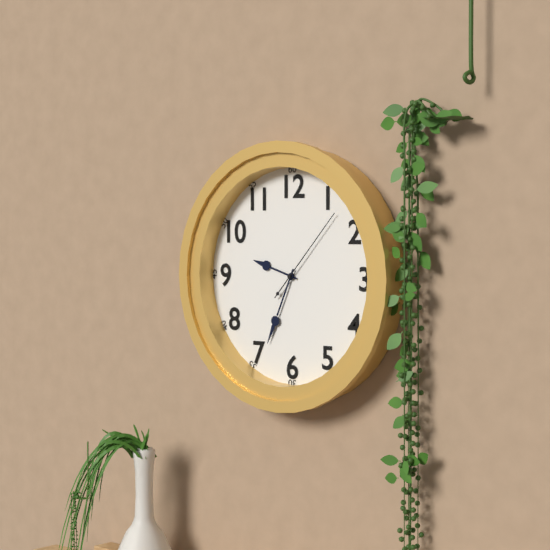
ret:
9:34:07
